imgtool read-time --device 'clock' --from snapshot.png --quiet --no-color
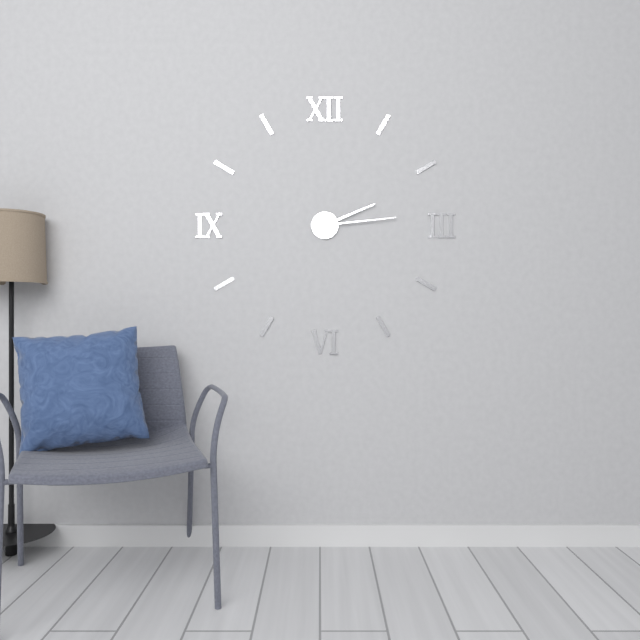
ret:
2:14
